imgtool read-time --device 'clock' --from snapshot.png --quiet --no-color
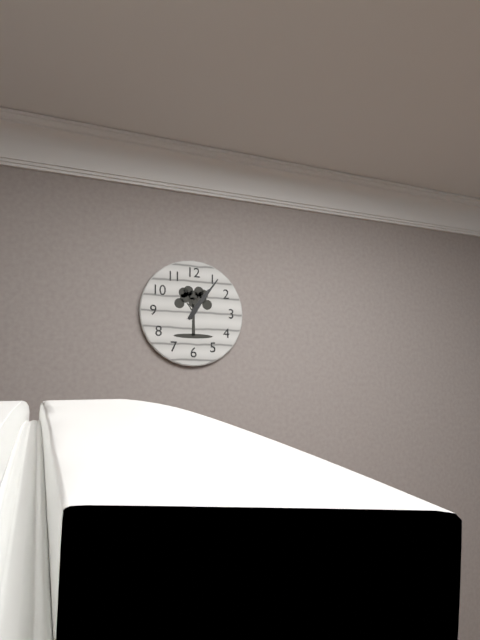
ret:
1:06
